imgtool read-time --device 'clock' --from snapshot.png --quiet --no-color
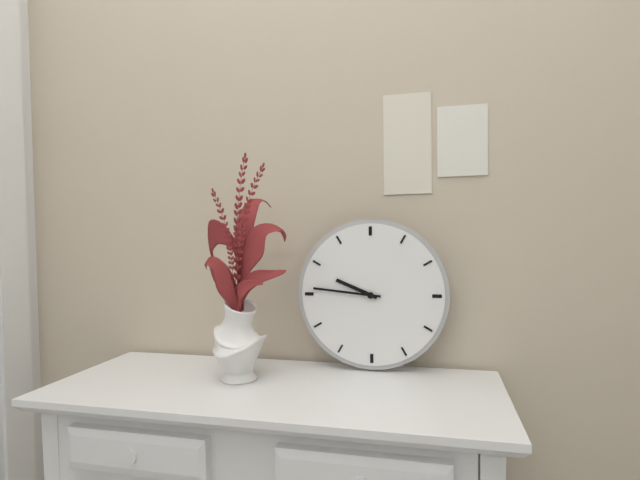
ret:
9:46
